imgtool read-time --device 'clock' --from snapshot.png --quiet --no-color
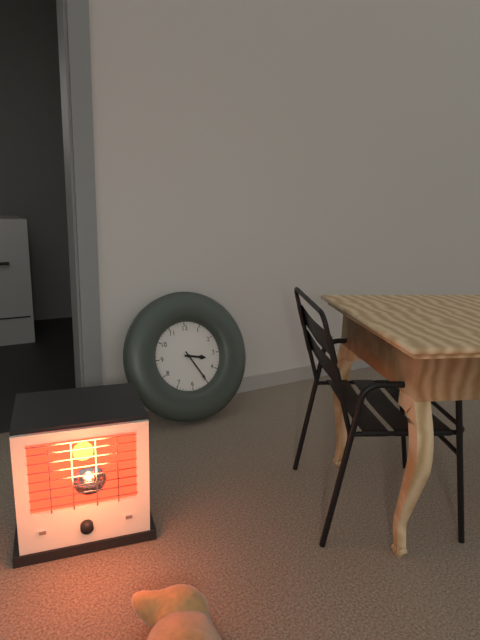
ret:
3:25
